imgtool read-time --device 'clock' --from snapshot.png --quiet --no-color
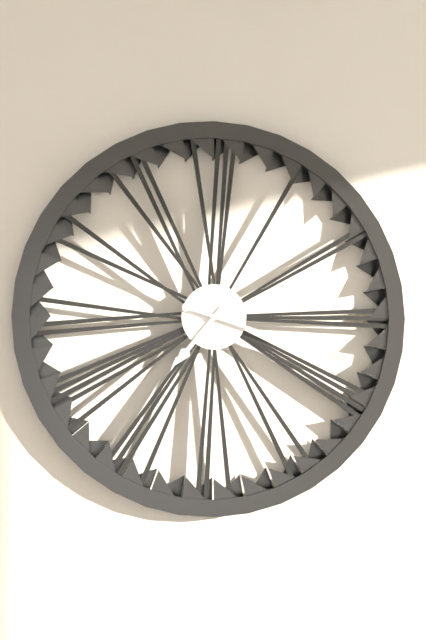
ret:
7:18
